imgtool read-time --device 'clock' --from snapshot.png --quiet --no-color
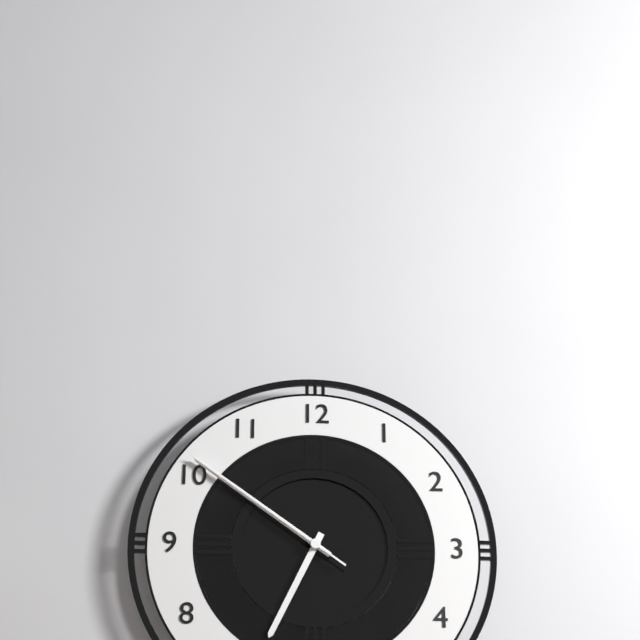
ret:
6:51:51
